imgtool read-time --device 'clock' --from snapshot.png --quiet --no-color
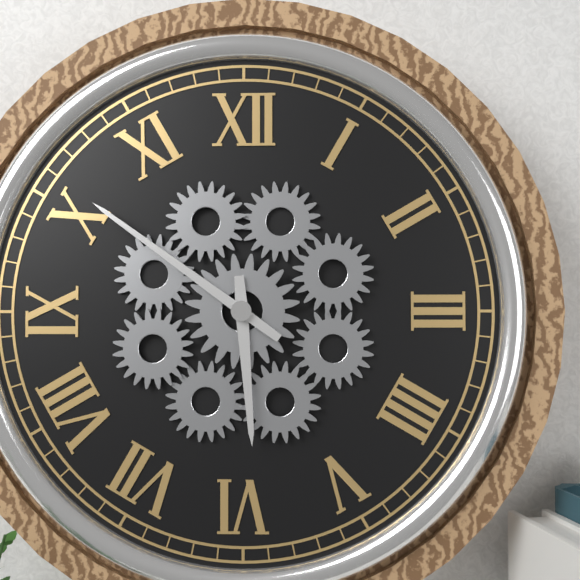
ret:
5:51
